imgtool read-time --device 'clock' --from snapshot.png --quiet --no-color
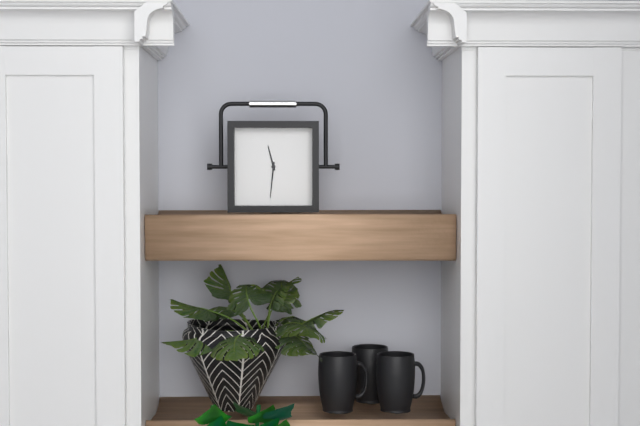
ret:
11:31
